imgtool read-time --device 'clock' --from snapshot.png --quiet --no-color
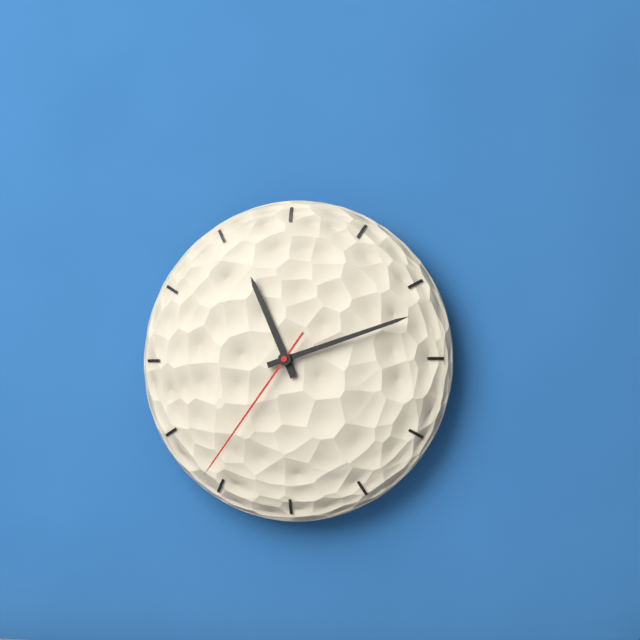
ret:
11:12:36
